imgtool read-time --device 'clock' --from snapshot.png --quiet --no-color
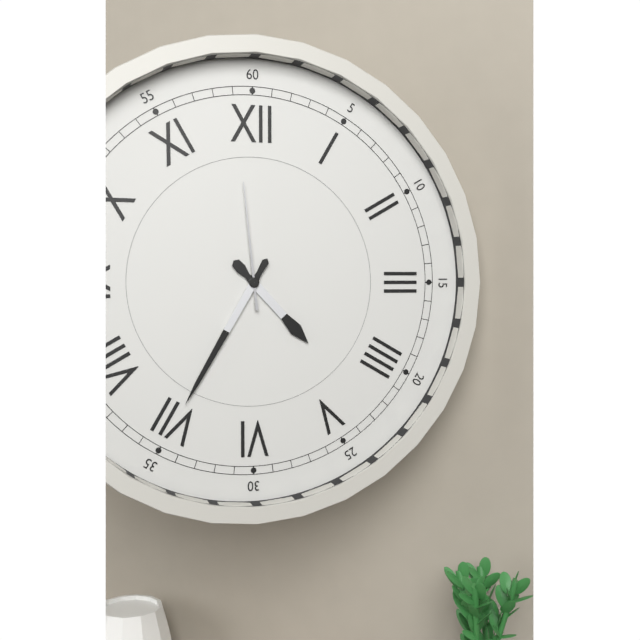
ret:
4:35:59
